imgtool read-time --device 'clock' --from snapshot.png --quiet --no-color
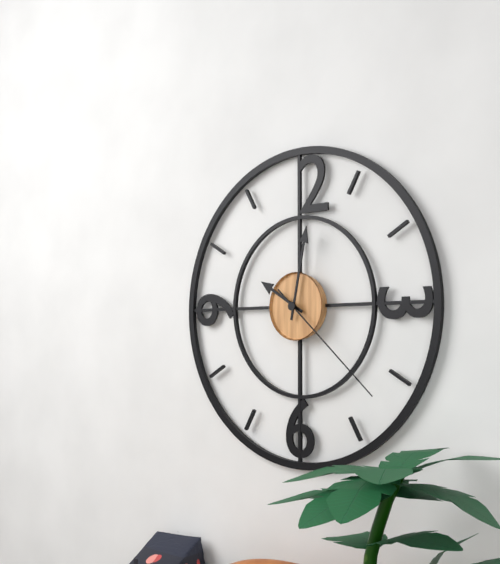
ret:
10:02:22
